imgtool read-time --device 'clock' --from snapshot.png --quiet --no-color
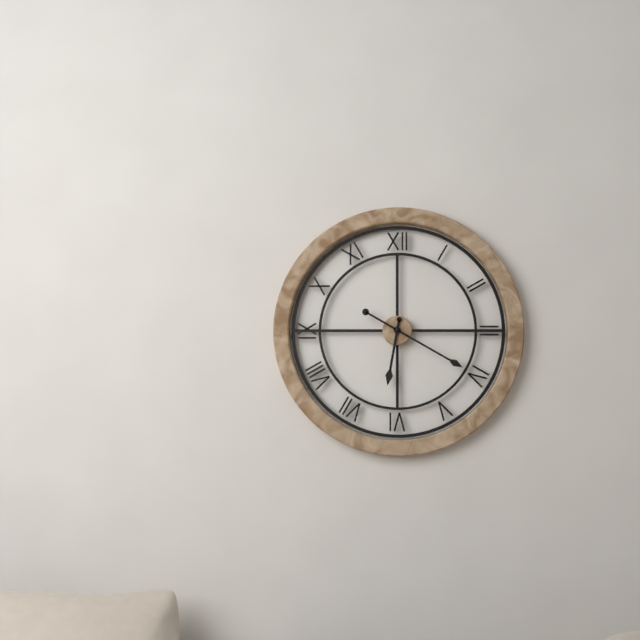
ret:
6:20
